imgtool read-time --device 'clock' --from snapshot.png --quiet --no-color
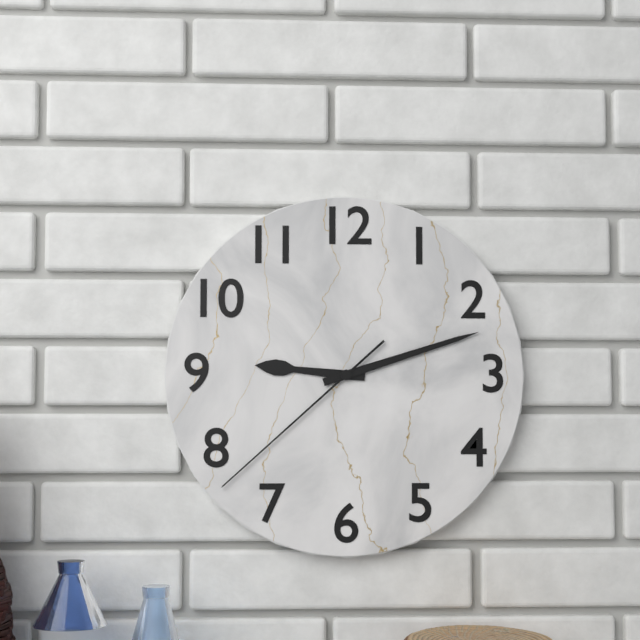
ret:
9:12:38
